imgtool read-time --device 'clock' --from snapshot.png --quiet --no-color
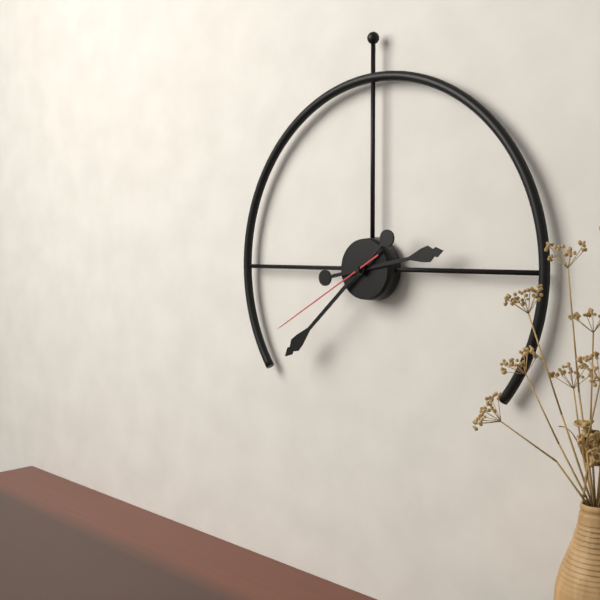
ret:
2:38:40
